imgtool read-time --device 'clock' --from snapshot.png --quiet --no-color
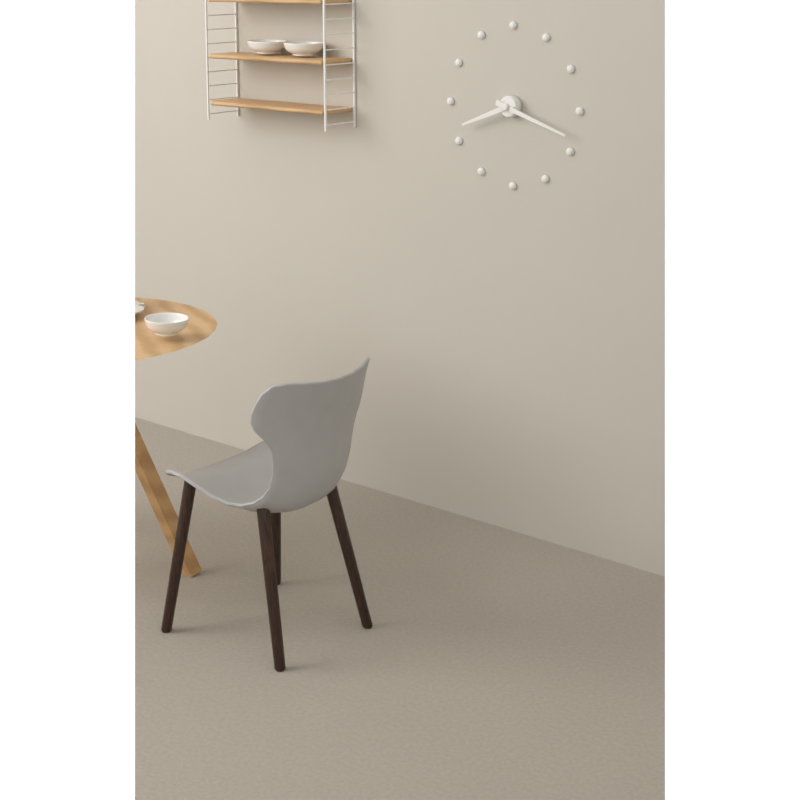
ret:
8:18
